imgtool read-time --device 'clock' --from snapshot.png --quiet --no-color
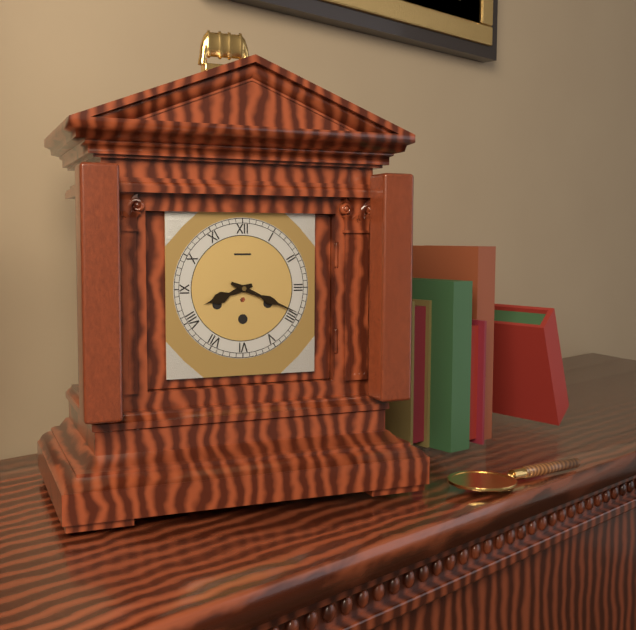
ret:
8:19
